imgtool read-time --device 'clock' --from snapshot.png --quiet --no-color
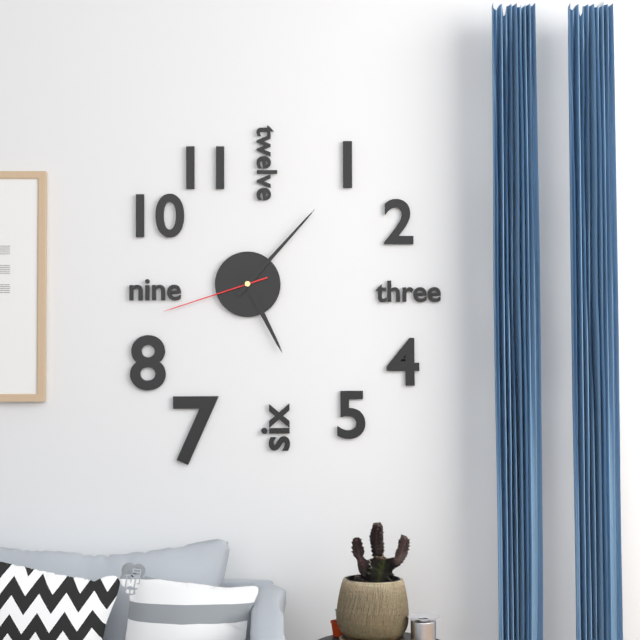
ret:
5:07:42
